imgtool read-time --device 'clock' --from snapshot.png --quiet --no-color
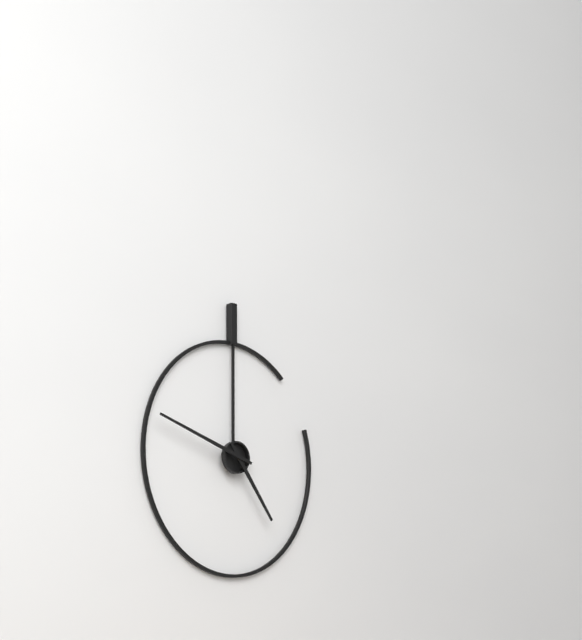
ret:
4:48
